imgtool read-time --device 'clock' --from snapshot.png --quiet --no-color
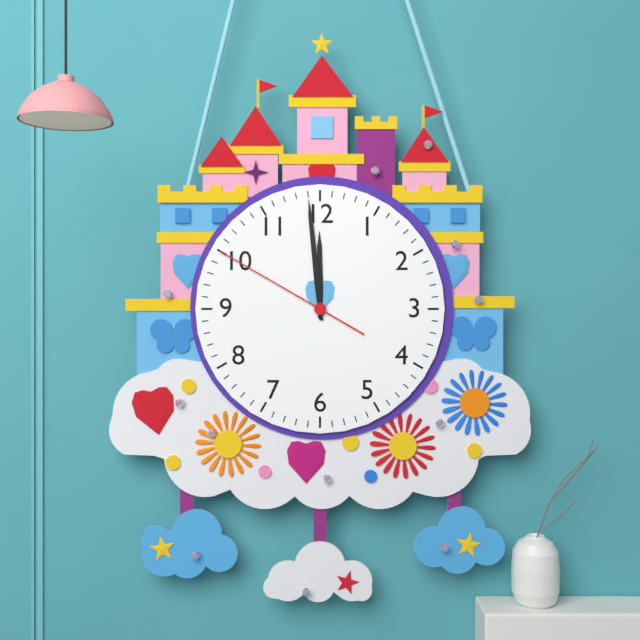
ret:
11:59:50
